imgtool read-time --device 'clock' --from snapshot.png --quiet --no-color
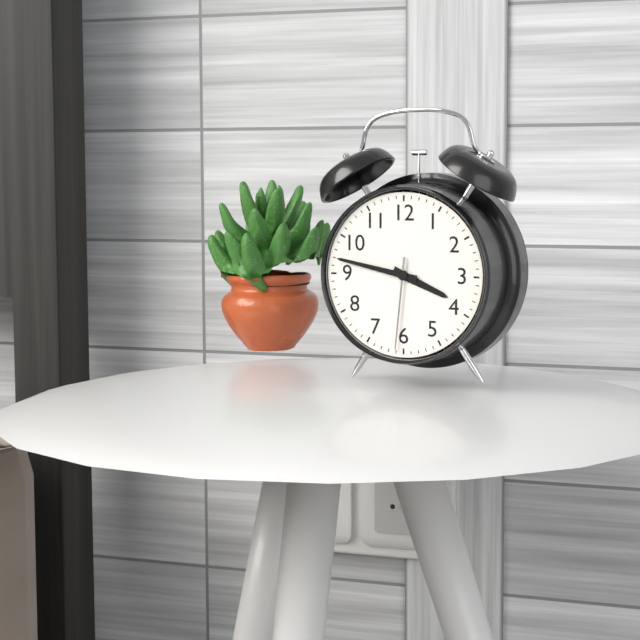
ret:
3:47:31
